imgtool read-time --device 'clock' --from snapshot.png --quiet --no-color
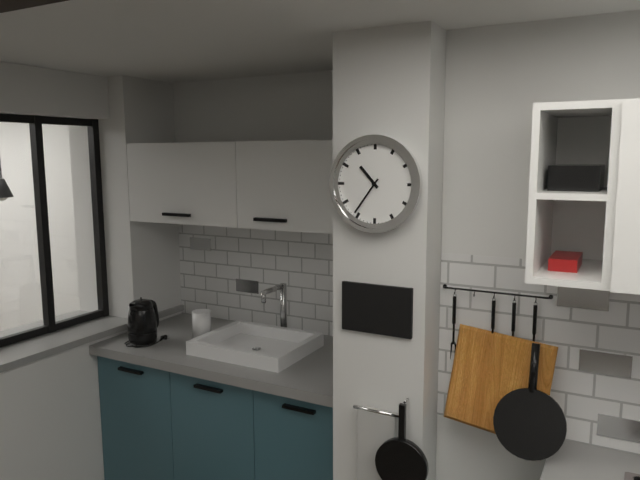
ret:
10:36
